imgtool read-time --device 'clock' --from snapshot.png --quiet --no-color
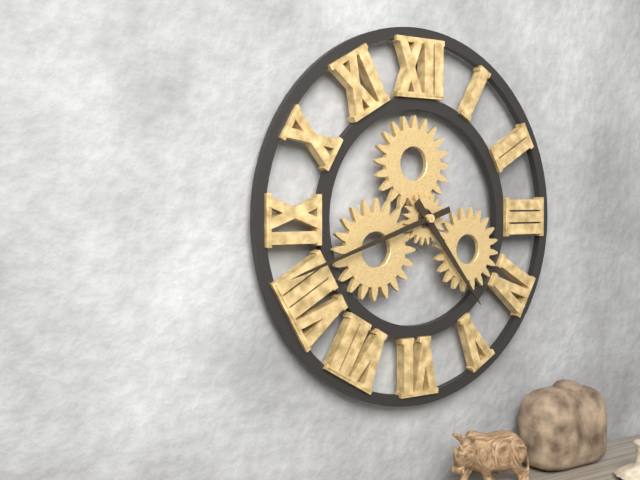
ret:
4:42
